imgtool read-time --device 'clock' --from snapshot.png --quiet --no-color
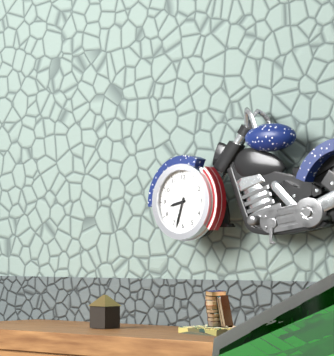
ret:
8:33
